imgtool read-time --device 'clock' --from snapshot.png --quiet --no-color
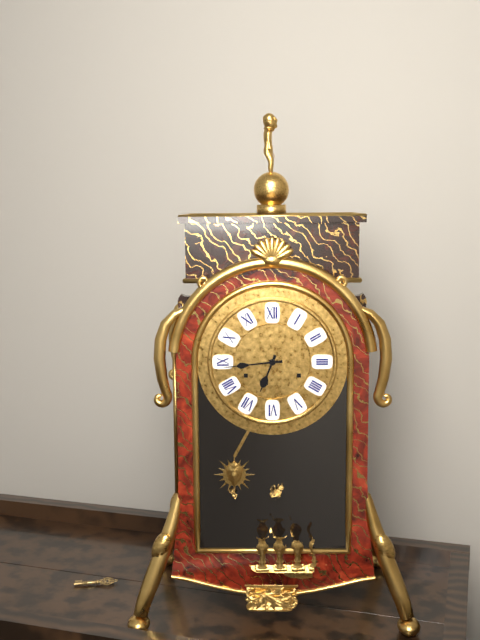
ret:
6:44
